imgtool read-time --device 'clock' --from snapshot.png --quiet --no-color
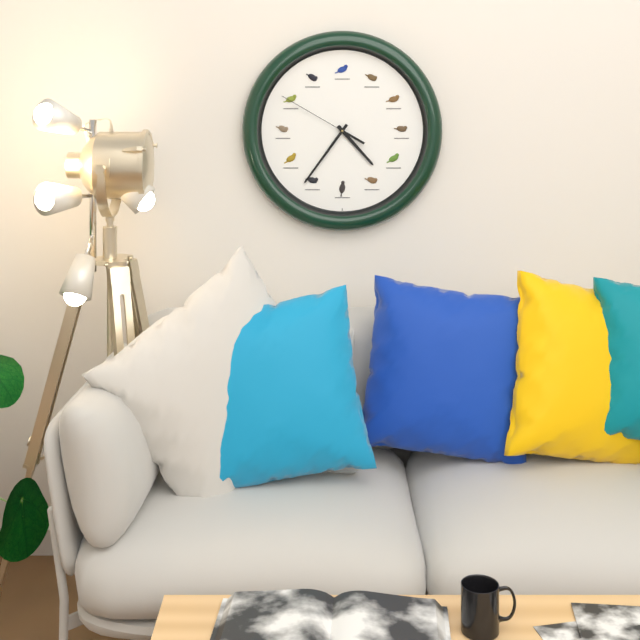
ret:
4:36:50
